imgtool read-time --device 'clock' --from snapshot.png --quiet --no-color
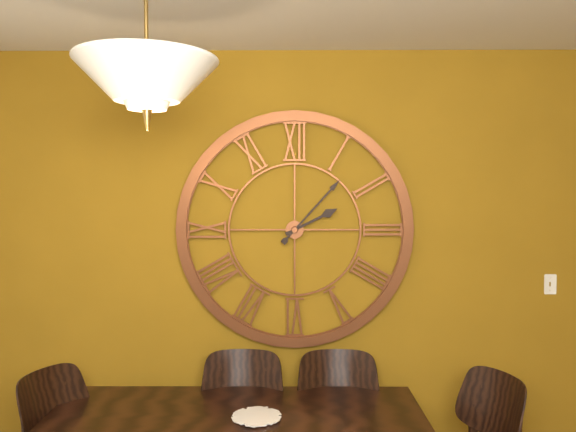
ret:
2:07
